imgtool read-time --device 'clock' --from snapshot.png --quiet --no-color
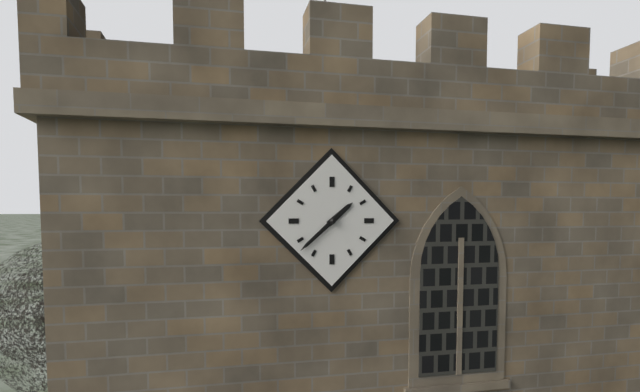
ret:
1:38
